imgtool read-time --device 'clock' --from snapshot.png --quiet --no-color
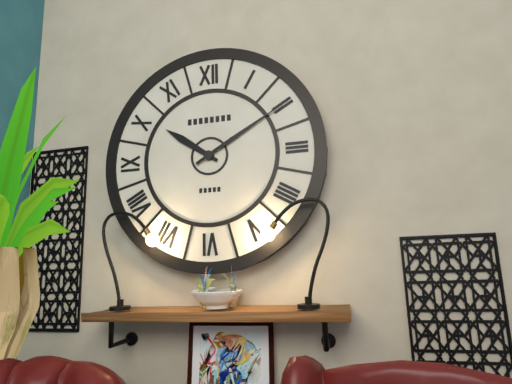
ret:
10:10
